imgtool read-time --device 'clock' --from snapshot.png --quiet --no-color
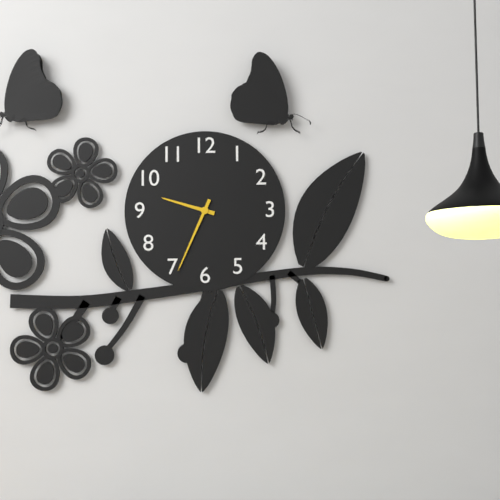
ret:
9:34
